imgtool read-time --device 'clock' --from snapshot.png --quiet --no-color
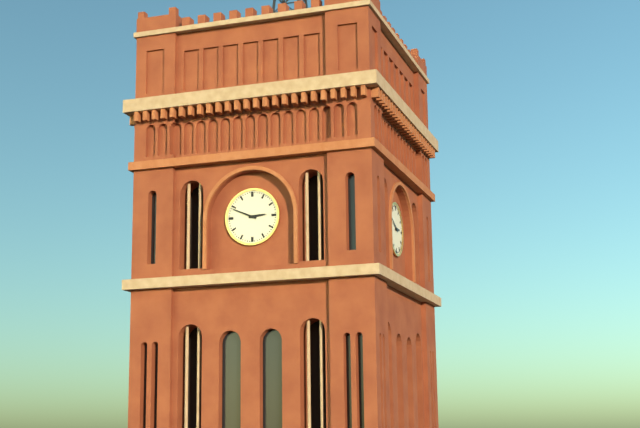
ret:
2:49
